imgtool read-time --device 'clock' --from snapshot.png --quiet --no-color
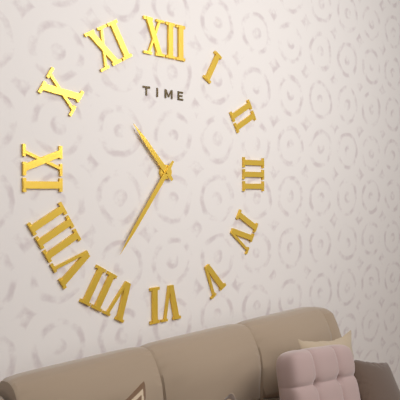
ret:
10:36
